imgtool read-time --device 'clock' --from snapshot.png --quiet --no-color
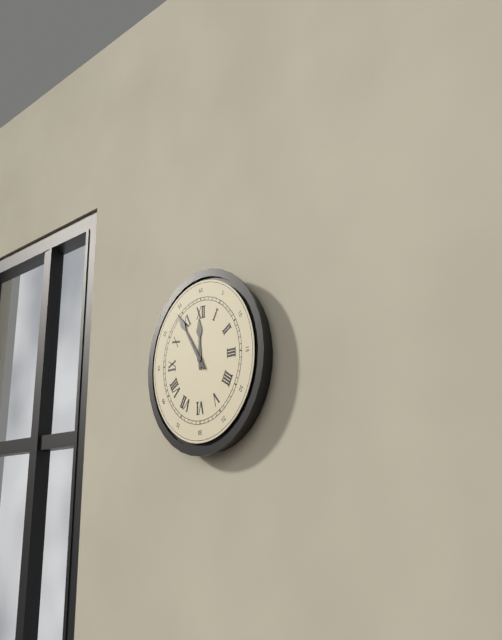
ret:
11:54
